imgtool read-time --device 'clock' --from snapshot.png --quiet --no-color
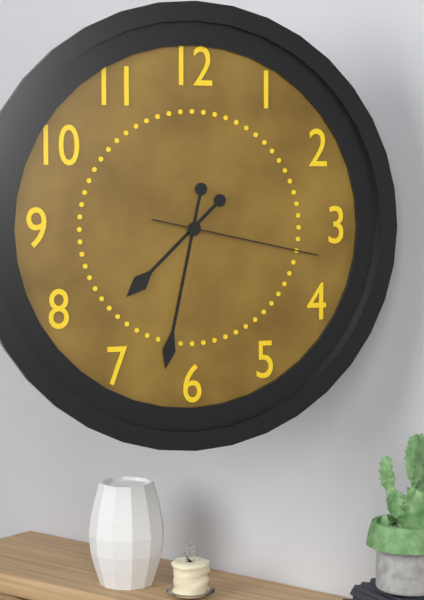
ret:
7:32:17
